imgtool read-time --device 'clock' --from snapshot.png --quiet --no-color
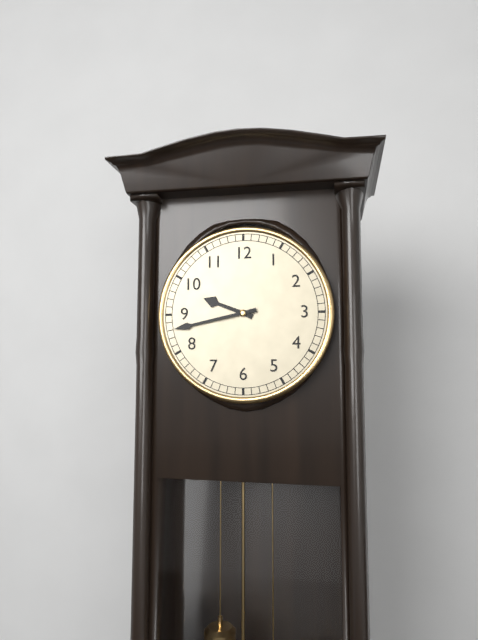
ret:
9:43
